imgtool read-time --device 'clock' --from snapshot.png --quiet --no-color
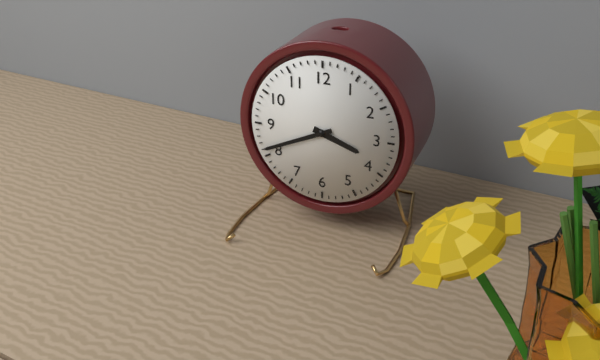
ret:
3:41
